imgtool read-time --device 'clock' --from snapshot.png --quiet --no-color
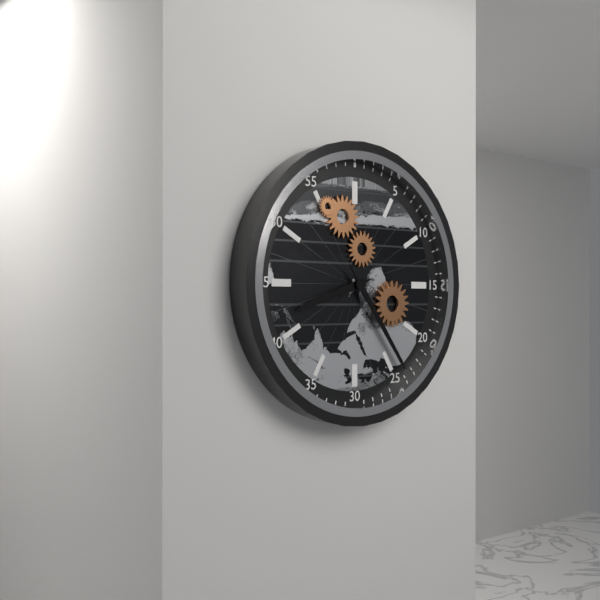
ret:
8:24
